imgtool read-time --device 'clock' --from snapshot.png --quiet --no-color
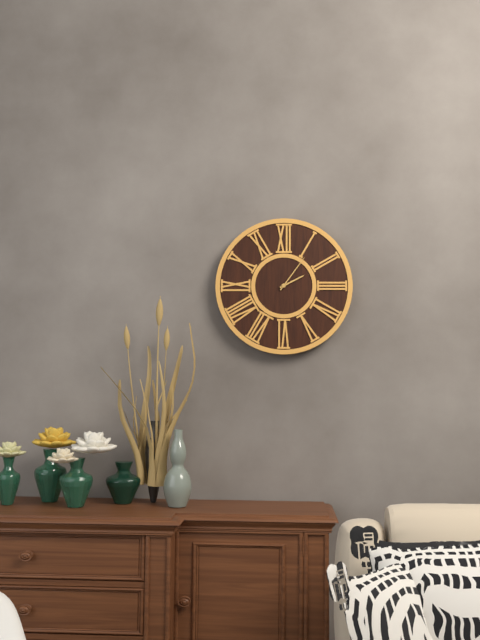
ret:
2:06
